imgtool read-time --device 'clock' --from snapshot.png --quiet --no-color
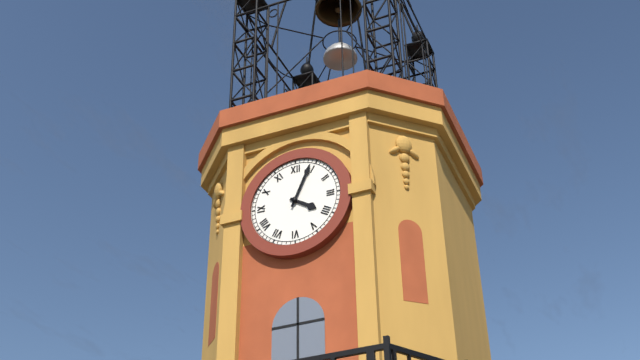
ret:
4:04
